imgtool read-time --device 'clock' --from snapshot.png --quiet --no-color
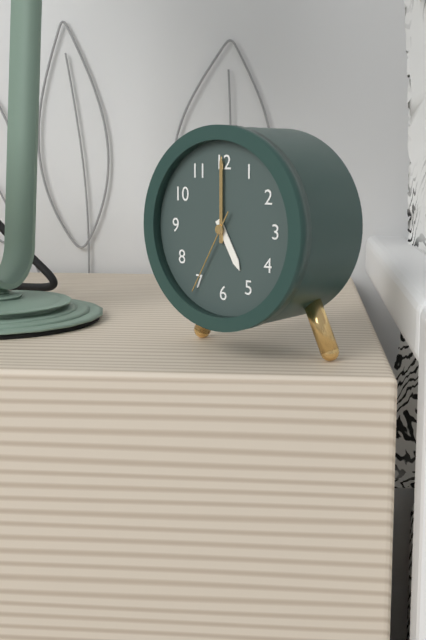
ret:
5:00:35
